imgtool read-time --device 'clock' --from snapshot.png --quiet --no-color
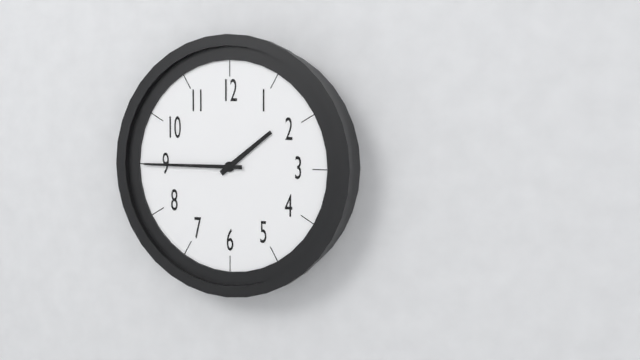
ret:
1:45
